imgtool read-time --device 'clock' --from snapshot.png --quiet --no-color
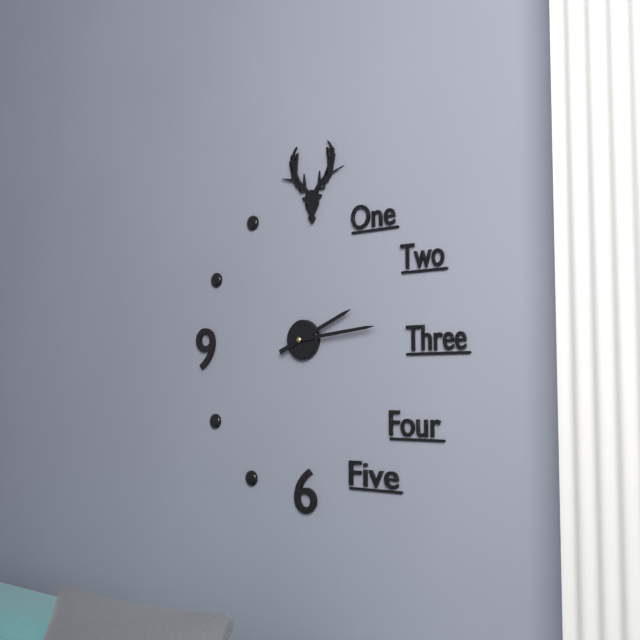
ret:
2:14
